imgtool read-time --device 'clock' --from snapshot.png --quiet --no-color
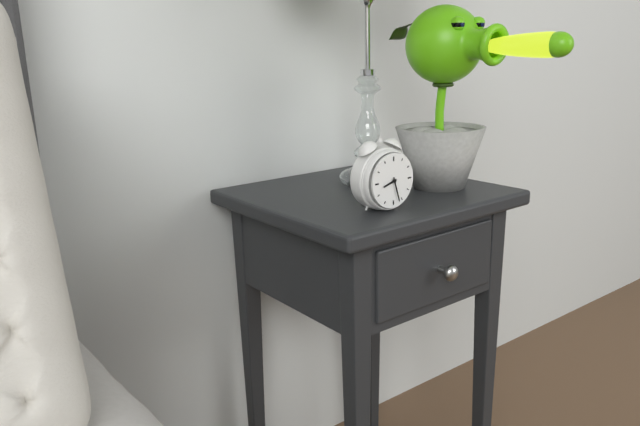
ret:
8:27
